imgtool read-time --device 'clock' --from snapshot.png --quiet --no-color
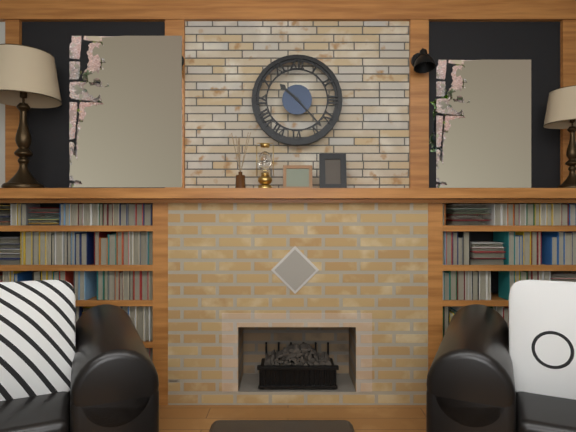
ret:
10:23
